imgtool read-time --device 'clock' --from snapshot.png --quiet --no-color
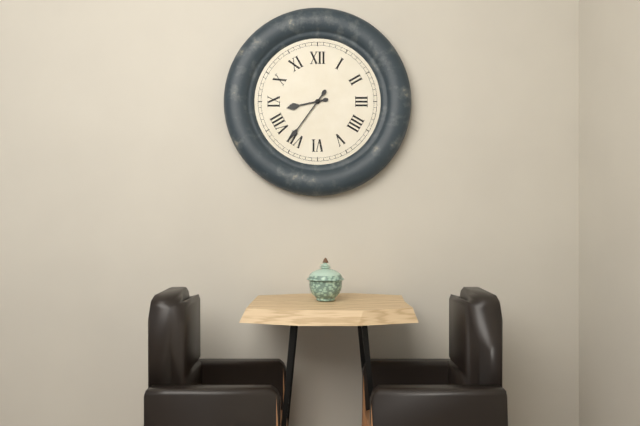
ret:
8:36
